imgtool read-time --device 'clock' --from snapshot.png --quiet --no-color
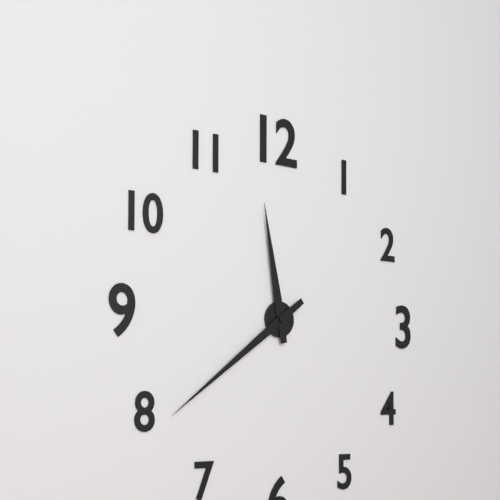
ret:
11:39
